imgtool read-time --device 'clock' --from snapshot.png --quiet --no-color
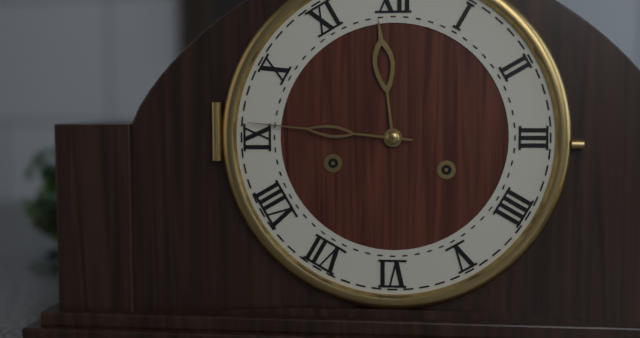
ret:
11:46
